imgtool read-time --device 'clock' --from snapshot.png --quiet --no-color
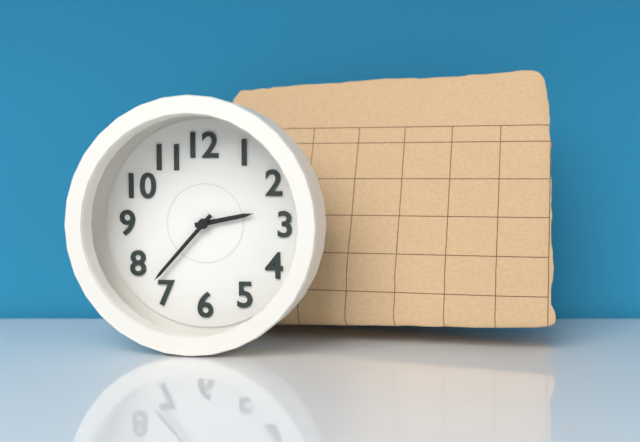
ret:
2:37
